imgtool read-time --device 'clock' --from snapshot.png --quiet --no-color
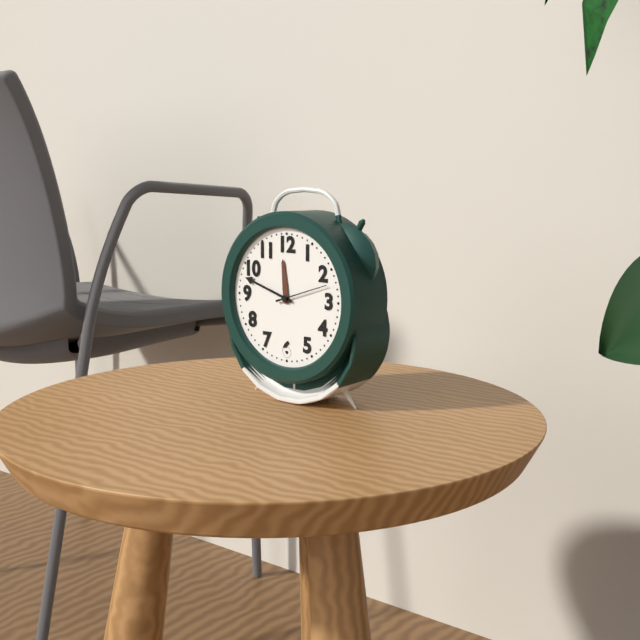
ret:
11:48:12
